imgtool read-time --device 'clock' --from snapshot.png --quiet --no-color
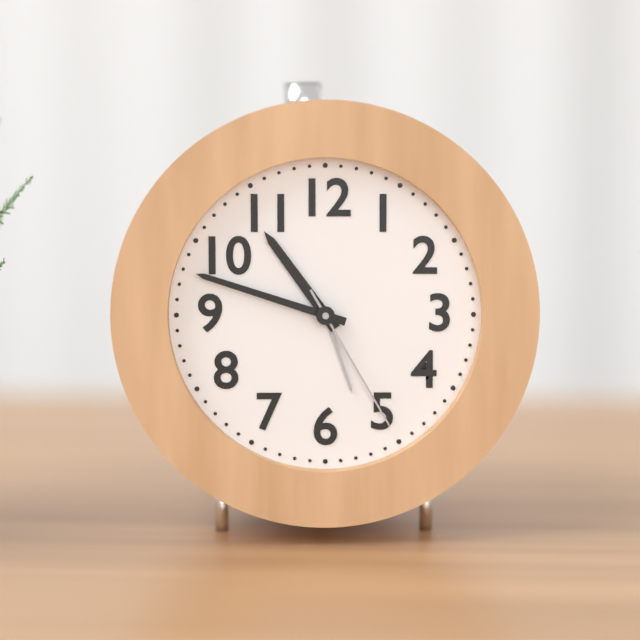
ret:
10:48:25
